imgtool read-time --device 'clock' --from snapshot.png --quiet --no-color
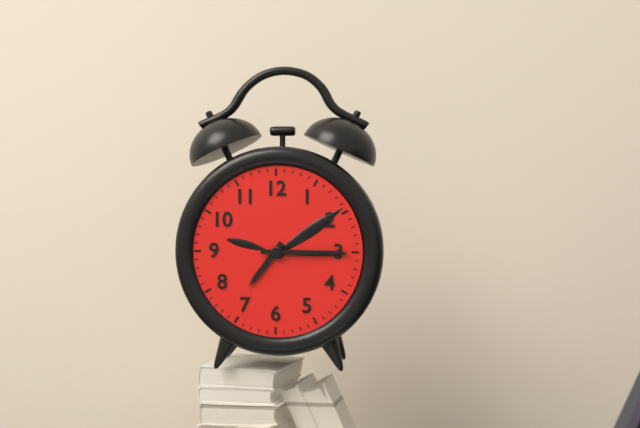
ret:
7:15
